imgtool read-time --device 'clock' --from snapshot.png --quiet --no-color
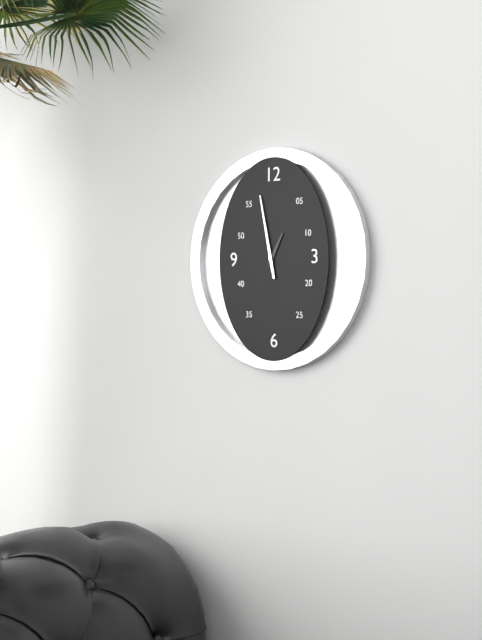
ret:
12:58
